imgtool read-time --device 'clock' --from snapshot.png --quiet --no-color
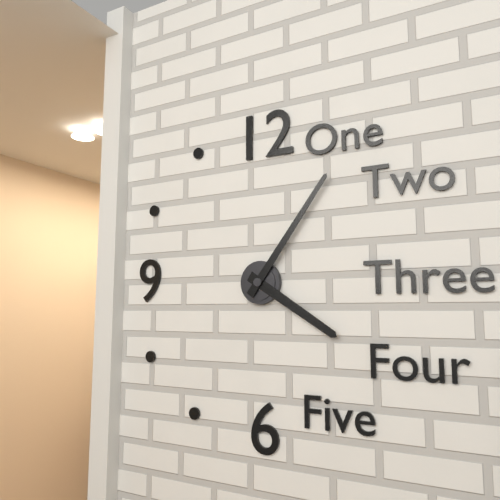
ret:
4:06
